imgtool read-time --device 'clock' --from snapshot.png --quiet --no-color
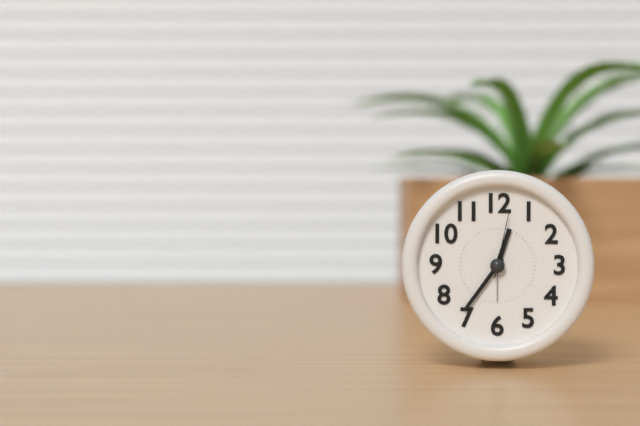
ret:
12:36:02
